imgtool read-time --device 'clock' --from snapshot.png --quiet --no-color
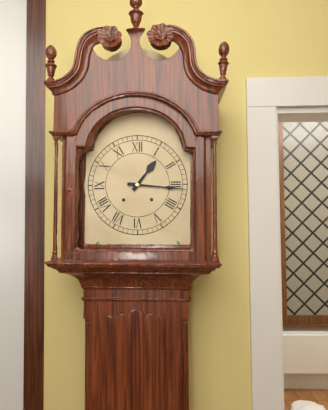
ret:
1:16
